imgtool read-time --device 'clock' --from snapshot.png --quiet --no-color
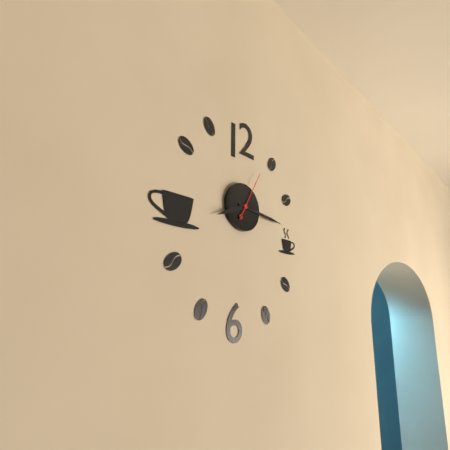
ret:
8:16
